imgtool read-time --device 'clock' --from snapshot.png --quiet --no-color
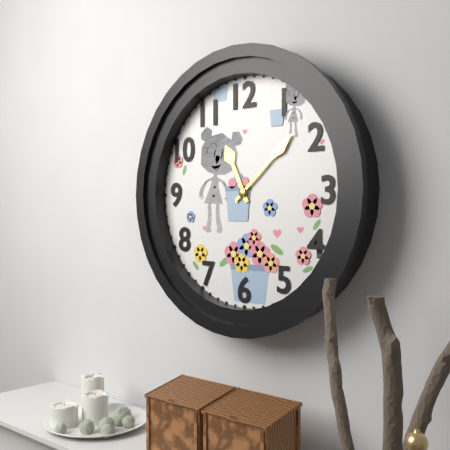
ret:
11:08
